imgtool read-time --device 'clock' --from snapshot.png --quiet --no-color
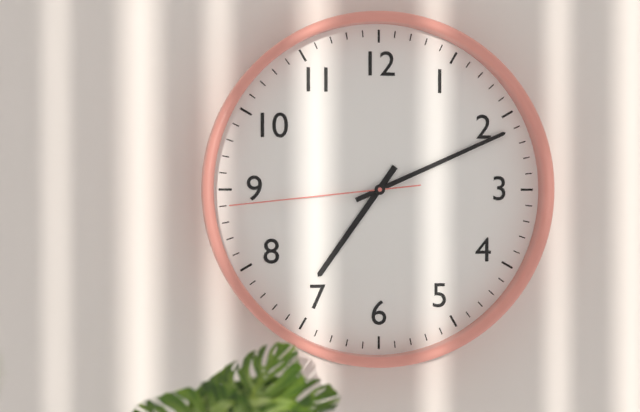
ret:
7:11:44
